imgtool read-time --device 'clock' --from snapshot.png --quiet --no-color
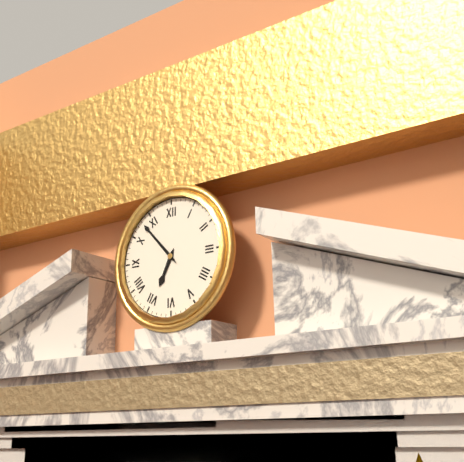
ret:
6:53
